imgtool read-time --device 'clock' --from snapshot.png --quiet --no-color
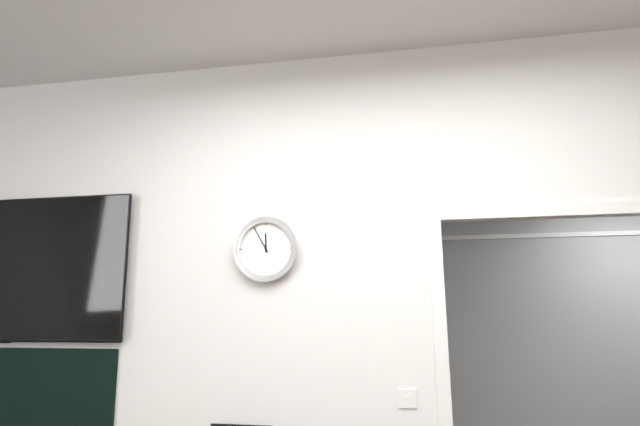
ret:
11:55
